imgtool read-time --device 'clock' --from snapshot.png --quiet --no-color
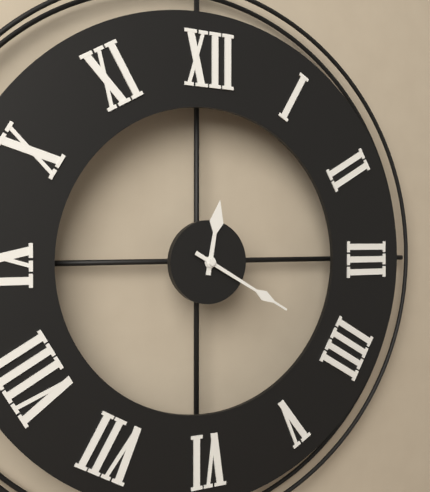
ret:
12:20
